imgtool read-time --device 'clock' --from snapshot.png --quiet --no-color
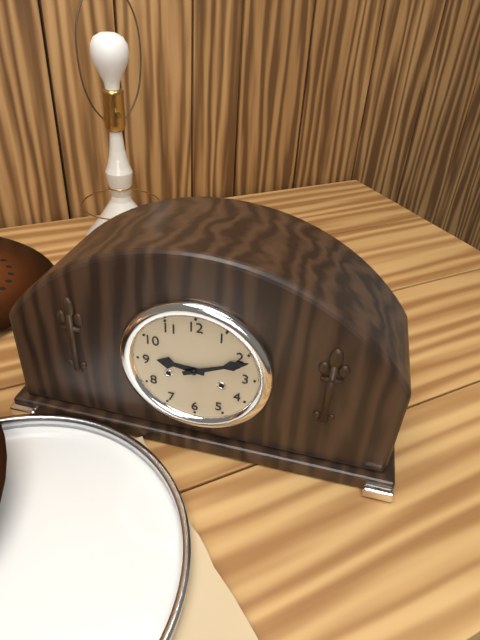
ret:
9:11
